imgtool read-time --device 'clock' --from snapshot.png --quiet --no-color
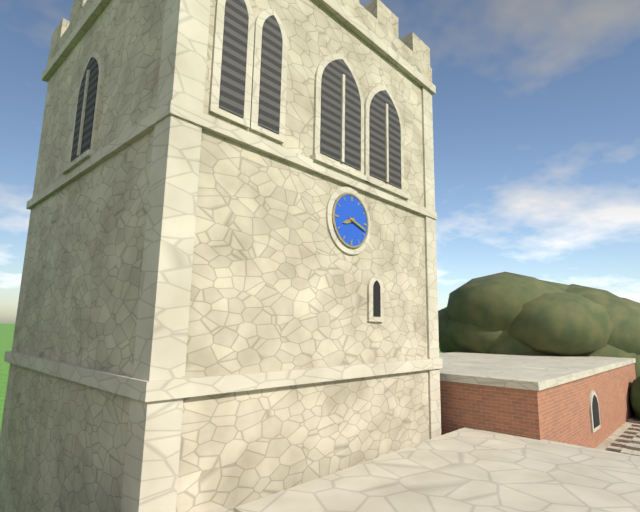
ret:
8:18
